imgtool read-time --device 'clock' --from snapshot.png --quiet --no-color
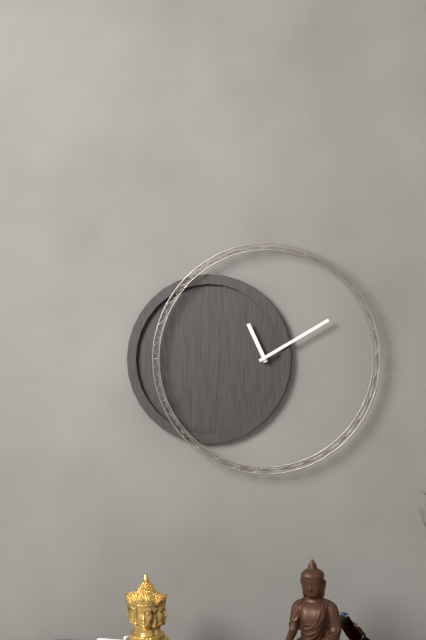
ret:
11:10
